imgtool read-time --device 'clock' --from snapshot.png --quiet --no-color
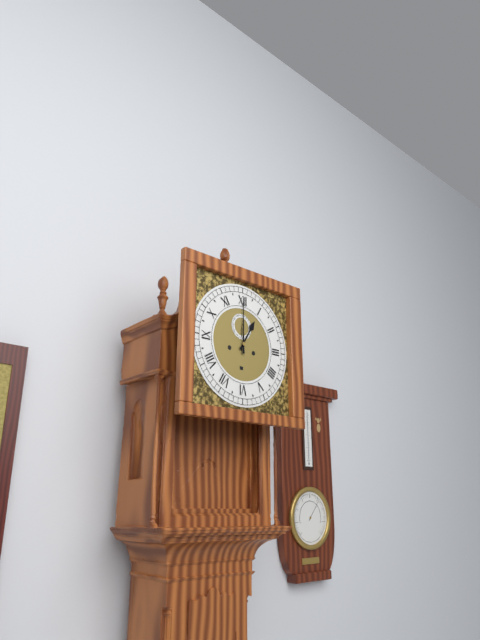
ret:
1:00
